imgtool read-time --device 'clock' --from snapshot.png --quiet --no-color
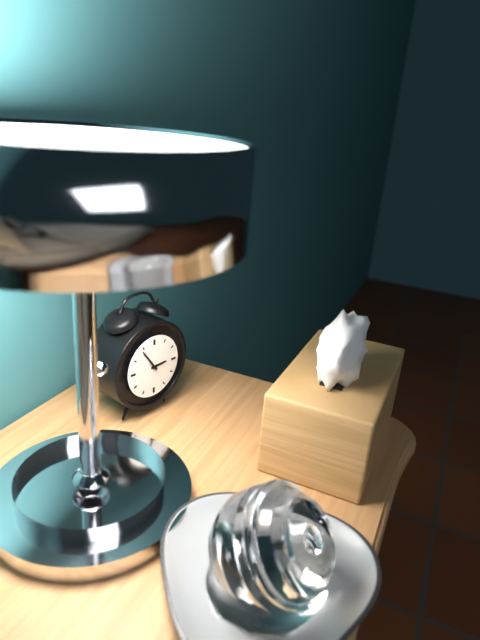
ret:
2:54
